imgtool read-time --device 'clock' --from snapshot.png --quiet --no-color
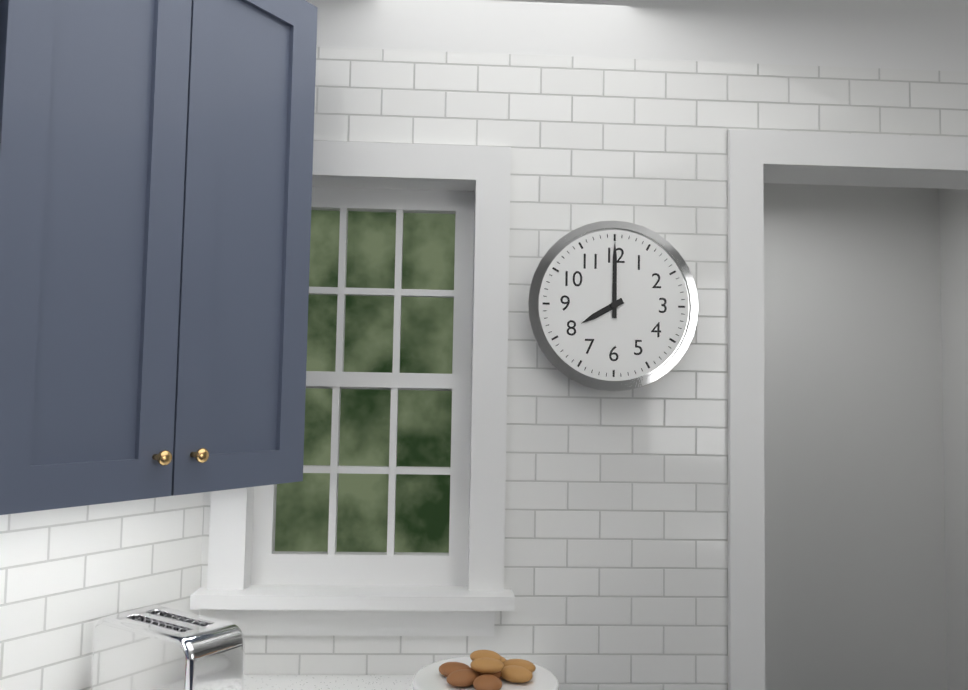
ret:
8:00
